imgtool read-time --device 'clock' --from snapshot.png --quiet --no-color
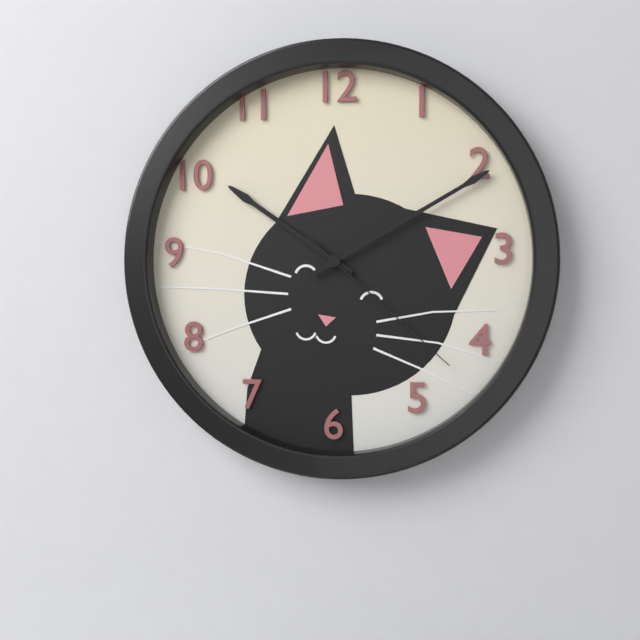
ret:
10:10:22
